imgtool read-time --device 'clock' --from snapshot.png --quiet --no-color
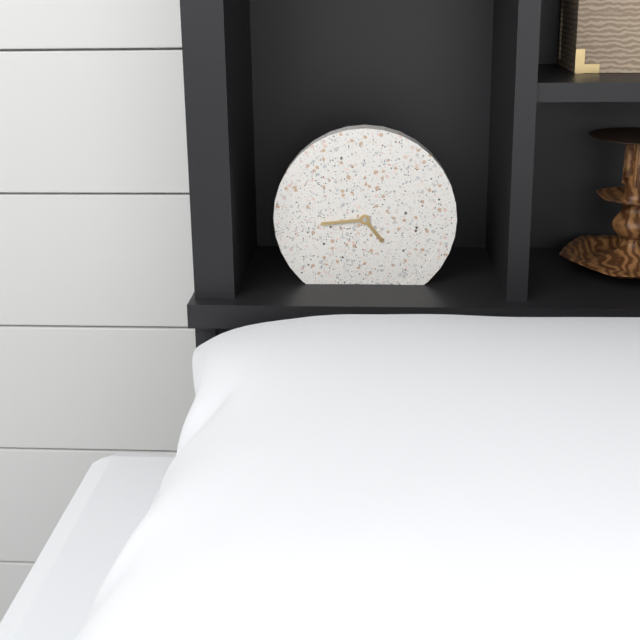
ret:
4:44
